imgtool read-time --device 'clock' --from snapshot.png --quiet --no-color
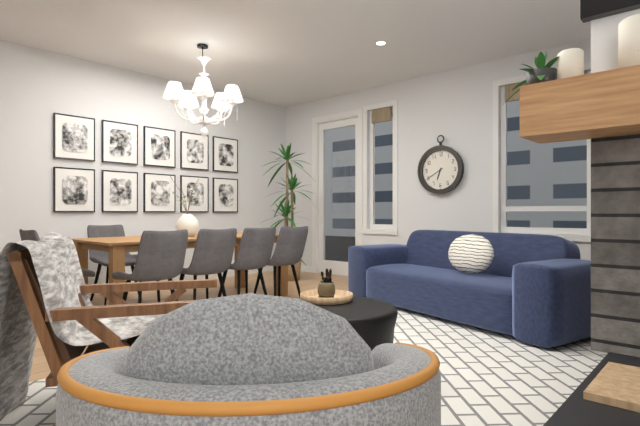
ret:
6:40
